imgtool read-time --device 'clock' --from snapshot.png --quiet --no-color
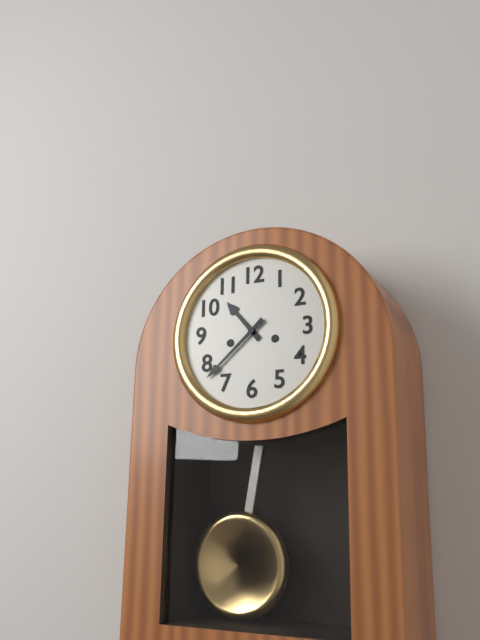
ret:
10:38
